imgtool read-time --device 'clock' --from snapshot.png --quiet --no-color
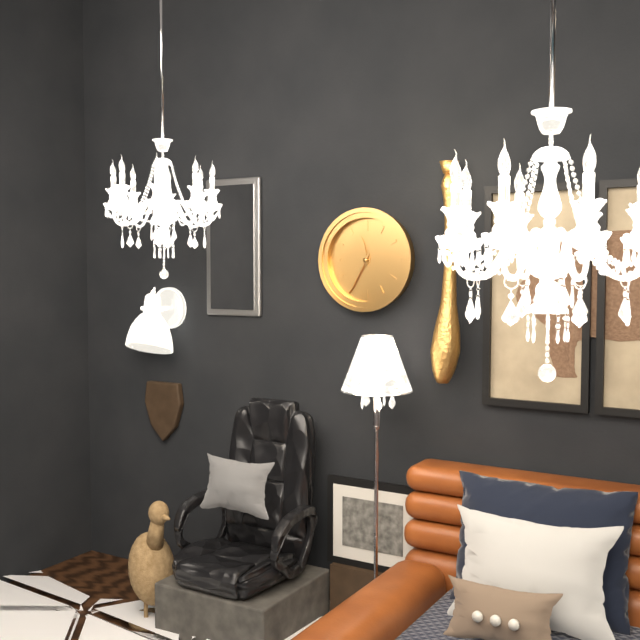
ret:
11:35
